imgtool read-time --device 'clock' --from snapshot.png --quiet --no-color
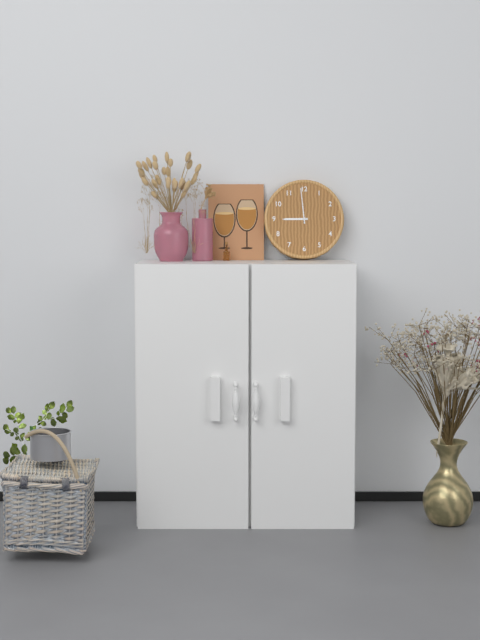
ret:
8:59
